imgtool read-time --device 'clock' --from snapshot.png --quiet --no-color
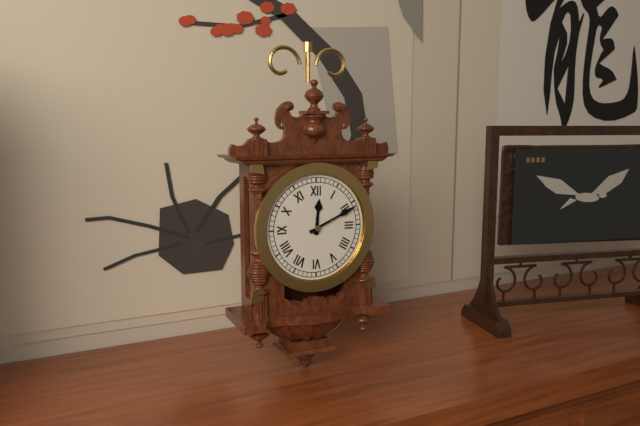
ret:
12:11
